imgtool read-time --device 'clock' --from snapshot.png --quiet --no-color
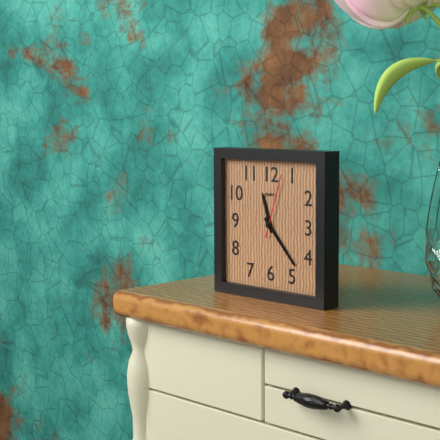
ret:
11:23:03
